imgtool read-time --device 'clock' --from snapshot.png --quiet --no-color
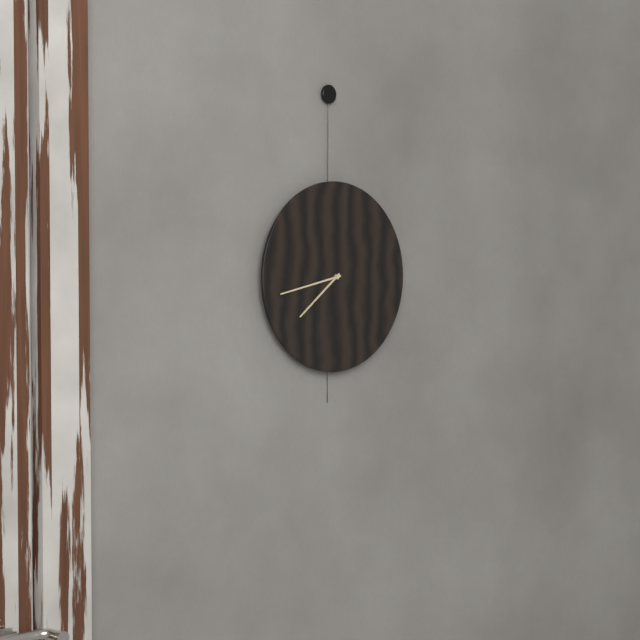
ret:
7:43
